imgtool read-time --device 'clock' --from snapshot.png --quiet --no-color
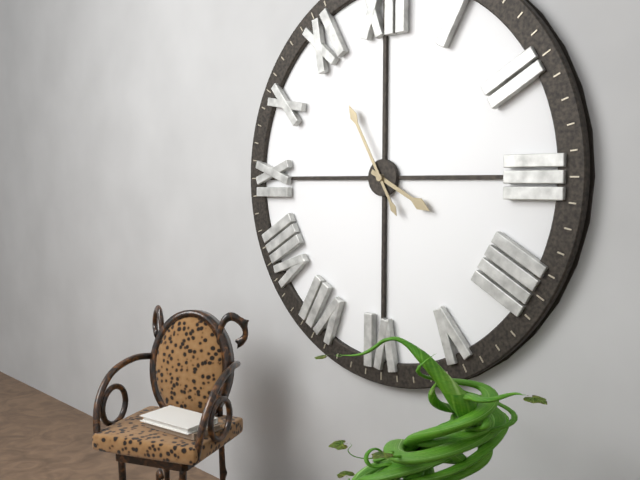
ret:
3:55
